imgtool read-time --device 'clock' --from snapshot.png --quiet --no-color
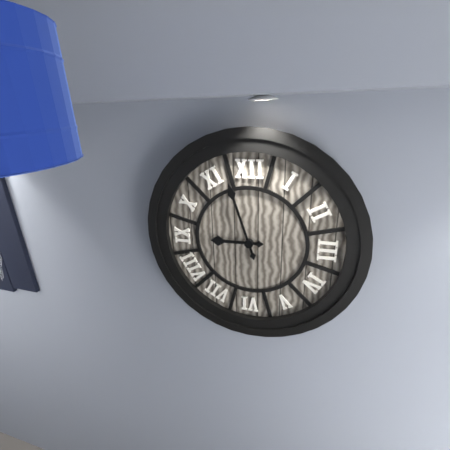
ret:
8:57
